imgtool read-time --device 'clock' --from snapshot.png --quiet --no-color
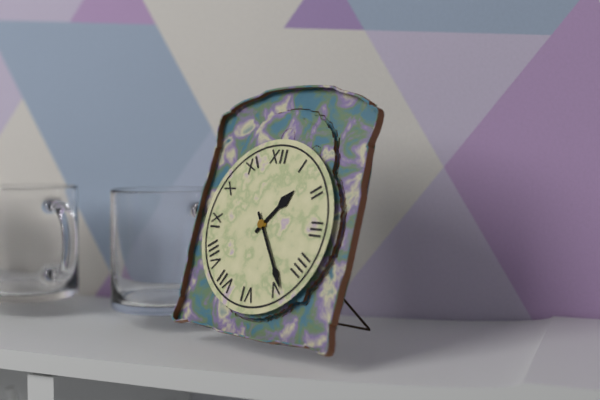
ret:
1:24
